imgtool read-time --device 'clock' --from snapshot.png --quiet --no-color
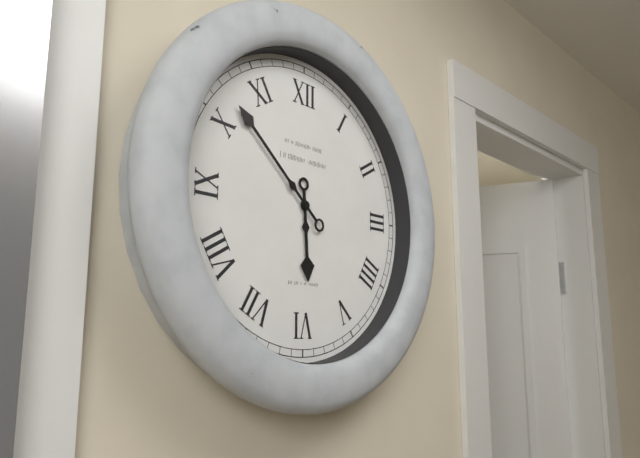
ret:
5:52
